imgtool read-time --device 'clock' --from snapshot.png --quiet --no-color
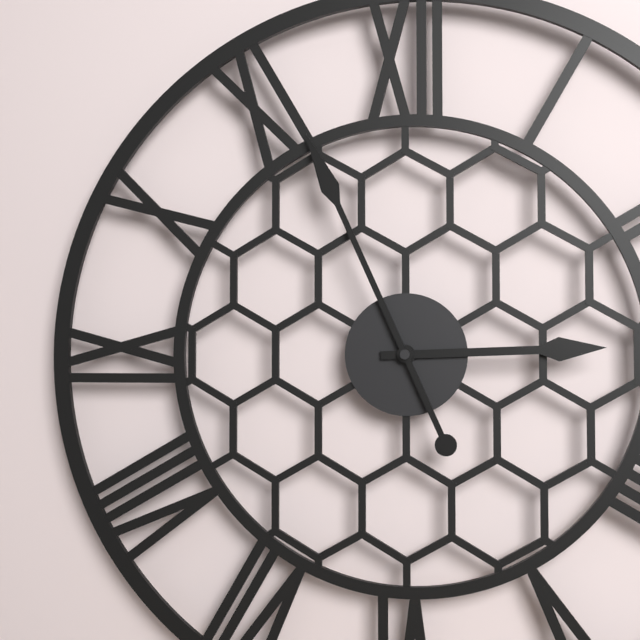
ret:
2:56
